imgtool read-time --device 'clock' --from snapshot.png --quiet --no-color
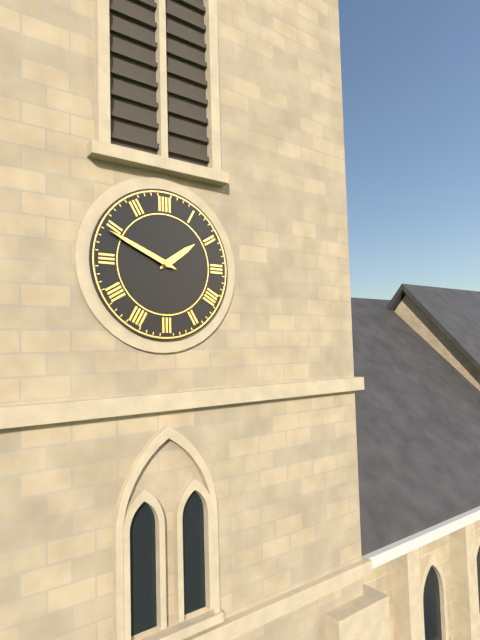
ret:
1:49
